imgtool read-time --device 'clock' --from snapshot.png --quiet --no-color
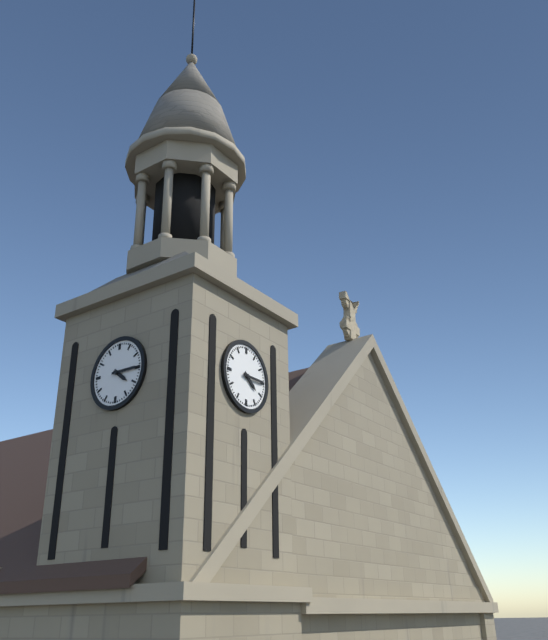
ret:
4:15
